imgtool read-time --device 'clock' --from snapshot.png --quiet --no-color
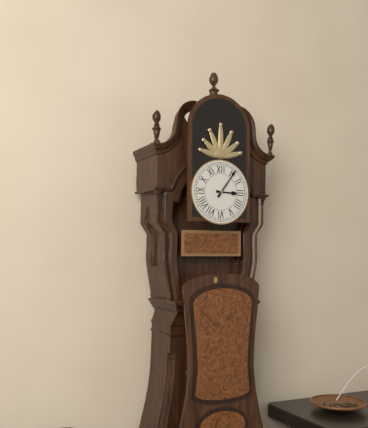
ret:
3:06
